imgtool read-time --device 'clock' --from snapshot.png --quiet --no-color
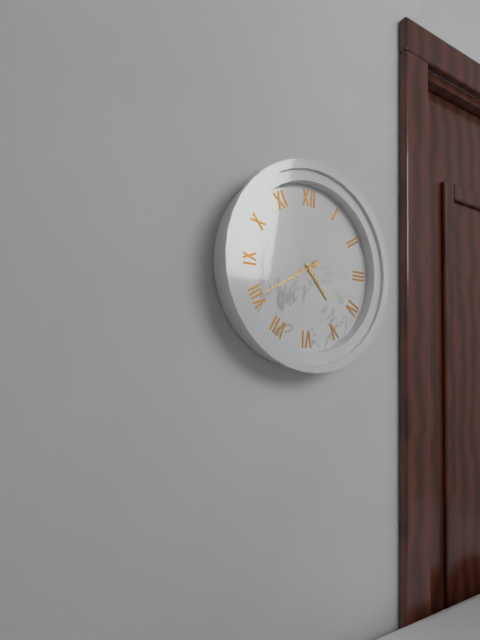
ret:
4:40
